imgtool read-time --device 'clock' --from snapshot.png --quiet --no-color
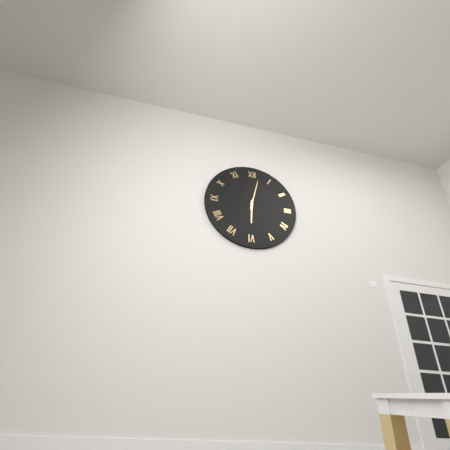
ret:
6:02
